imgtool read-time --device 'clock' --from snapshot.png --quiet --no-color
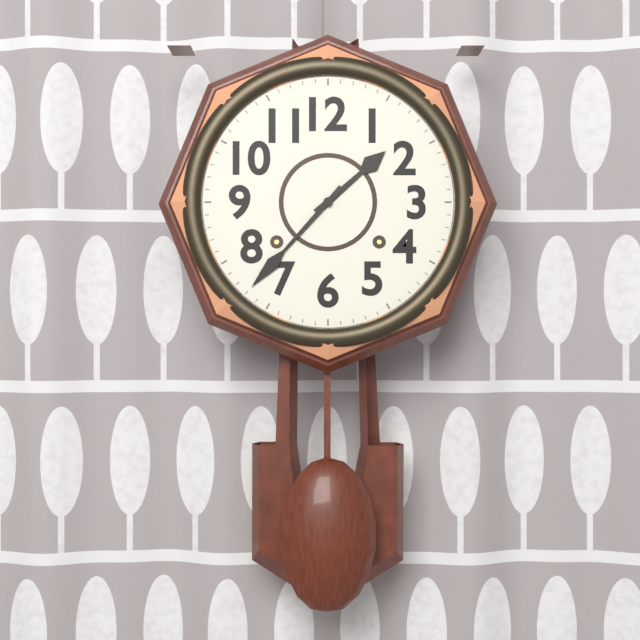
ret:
1:37
